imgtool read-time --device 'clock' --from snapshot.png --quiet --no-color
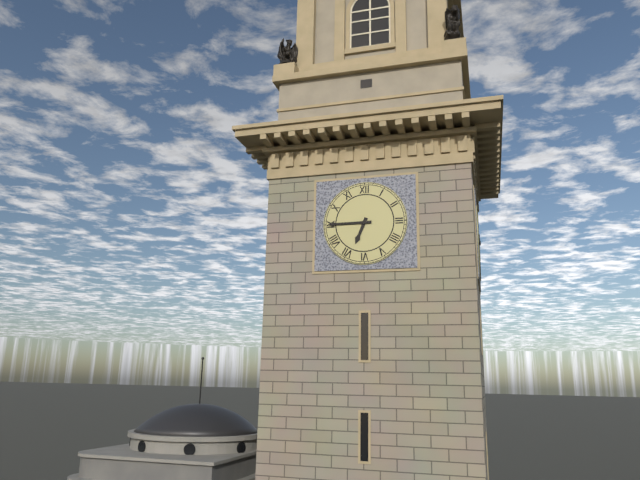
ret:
6:45
